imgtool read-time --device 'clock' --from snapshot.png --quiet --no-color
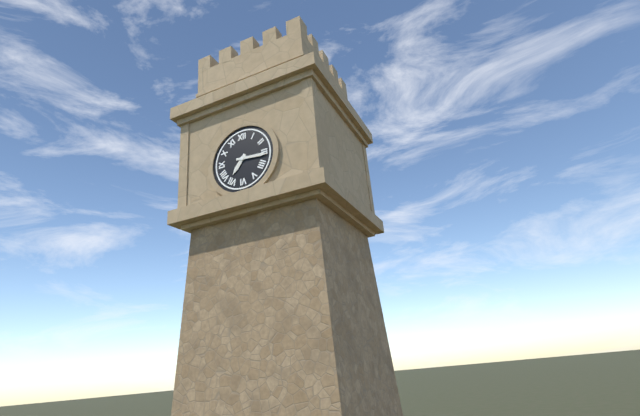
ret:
7:16
